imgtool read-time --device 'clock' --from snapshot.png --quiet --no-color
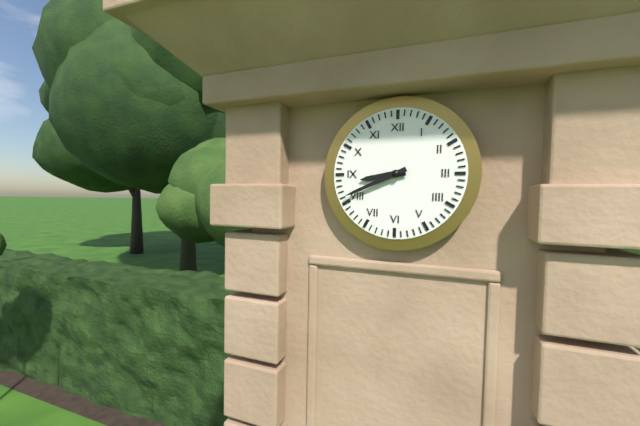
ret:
8:41
